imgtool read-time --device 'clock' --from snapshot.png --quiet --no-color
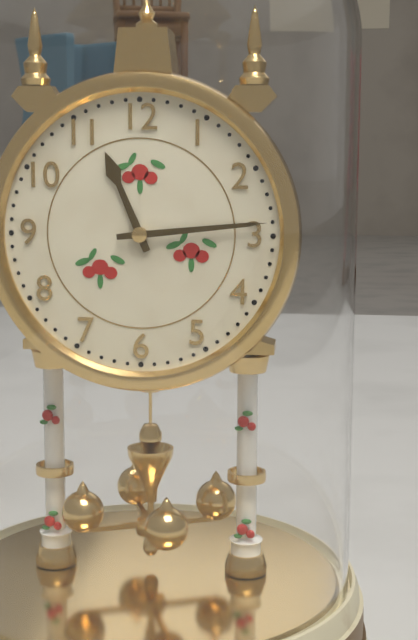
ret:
11:14
